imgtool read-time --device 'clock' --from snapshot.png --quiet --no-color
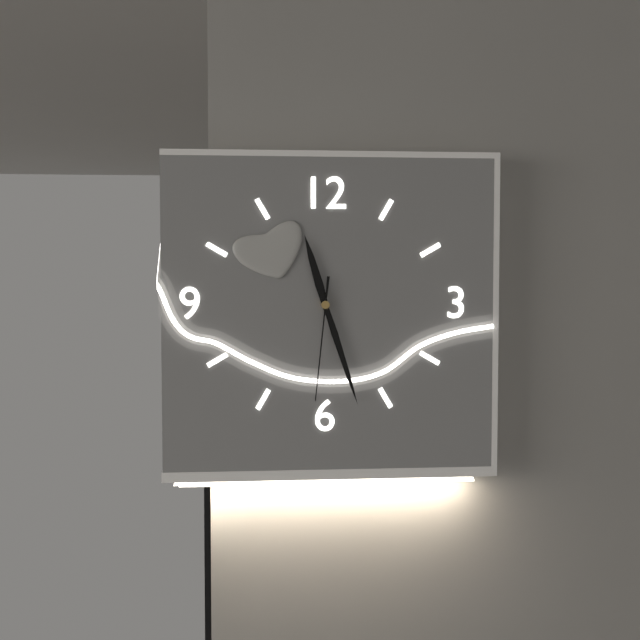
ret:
11:27:31
